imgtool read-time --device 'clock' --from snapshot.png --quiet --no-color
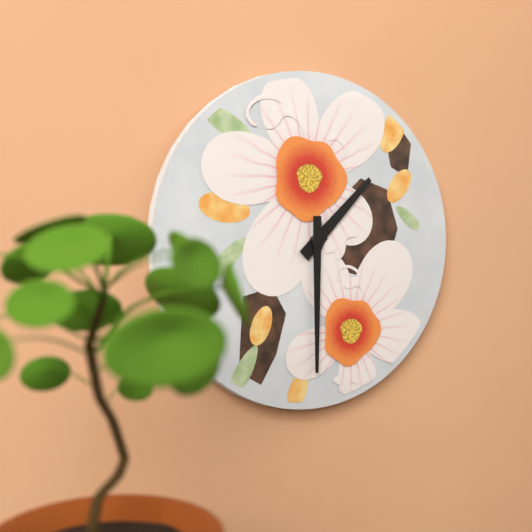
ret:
1:30
